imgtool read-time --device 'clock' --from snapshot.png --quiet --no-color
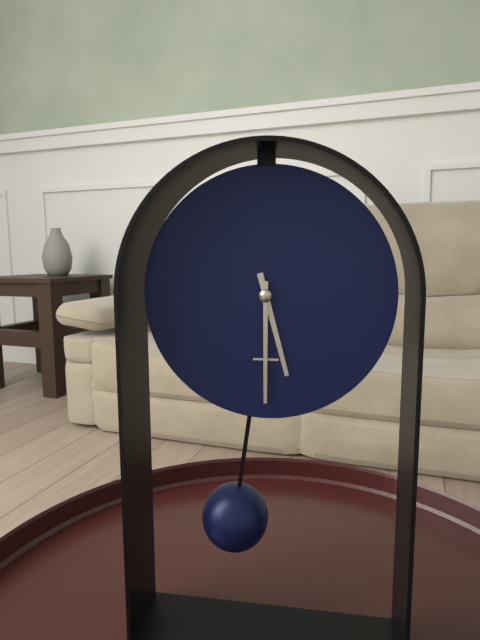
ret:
5:30
